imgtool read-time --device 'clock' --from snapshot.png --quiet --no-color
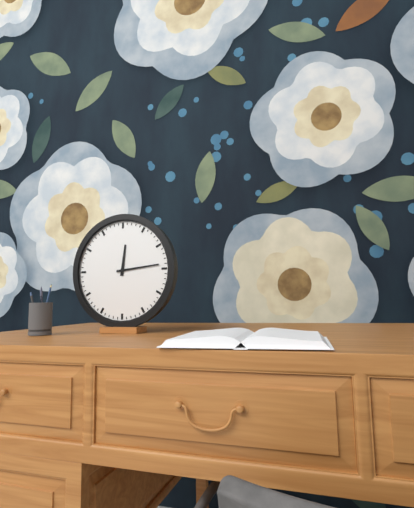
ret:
12:14
